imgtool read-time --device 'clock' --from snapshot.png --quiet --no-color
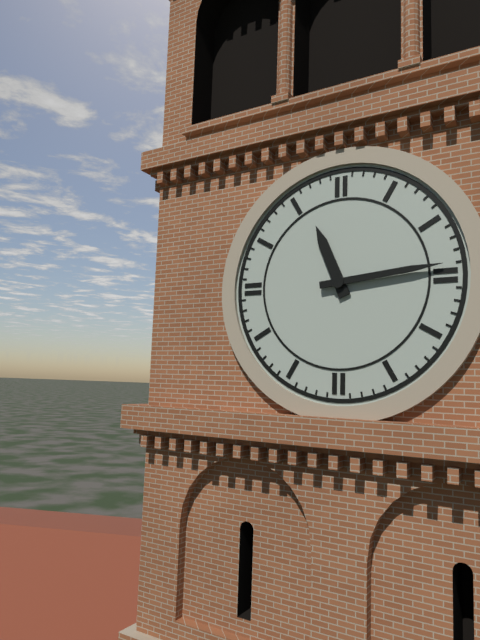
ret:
11:14
